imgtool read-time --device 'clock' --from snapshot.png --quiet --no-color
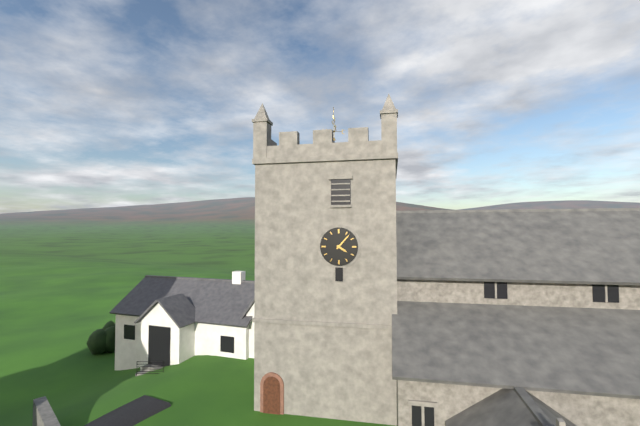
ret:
4:07
